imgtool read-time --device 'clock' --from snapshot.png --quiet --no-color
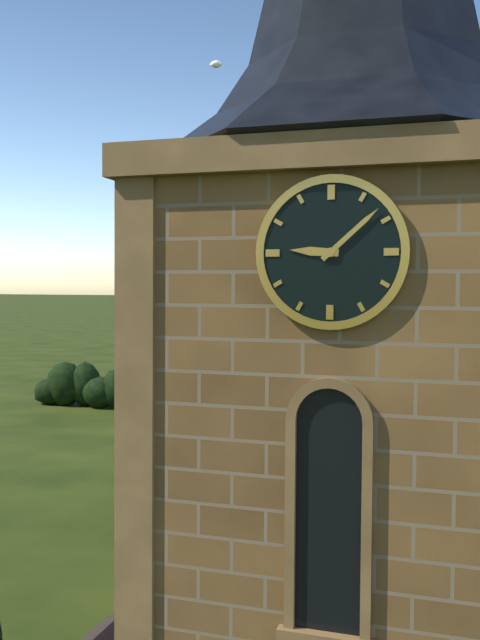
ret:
9:08
